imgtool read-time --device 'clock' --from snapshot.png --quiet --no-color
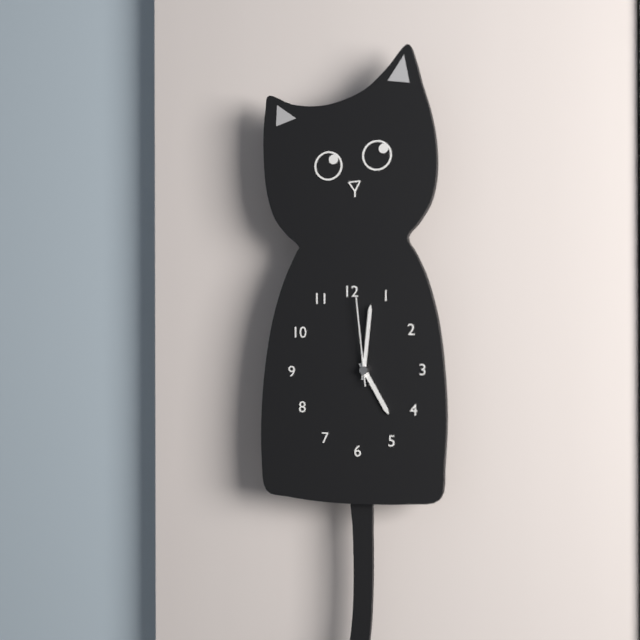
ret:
5:01:59
